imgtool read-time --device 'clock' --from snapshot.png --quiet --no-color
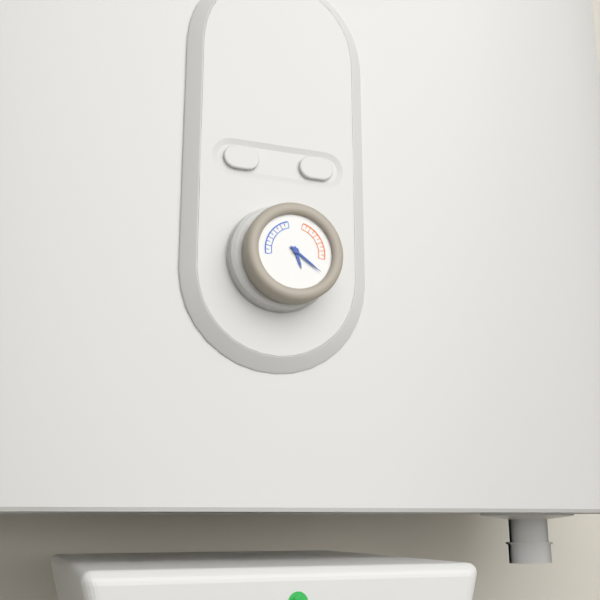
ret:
5:21
